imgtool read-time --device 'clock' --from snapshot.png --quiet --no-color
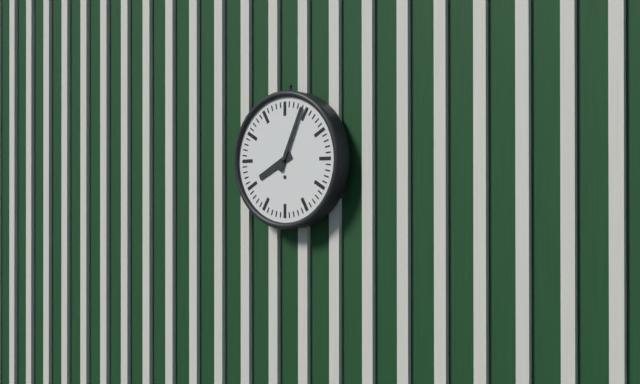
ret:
8:04
